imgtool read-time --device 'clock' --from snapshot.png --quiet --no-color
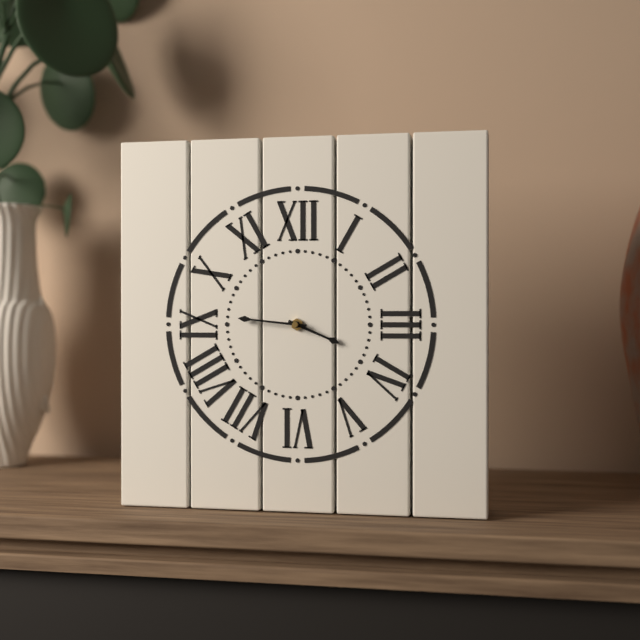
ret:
3:46
